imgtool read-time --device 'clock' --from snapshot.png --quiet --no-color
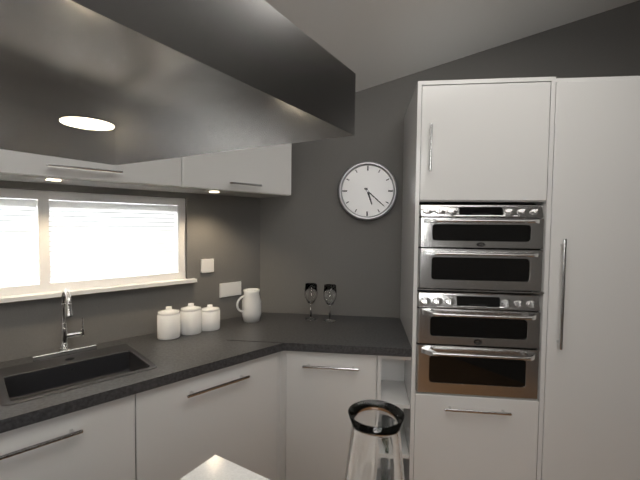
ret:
5:22
